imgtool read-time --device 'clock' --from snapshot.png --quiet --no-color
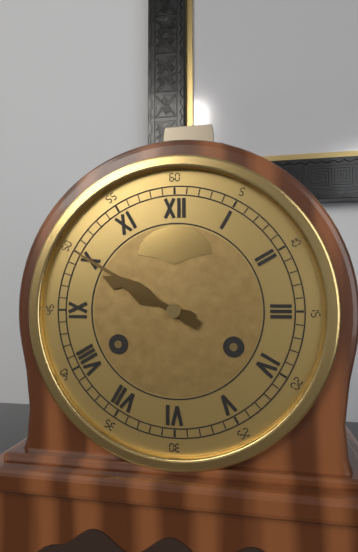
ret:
9:50
